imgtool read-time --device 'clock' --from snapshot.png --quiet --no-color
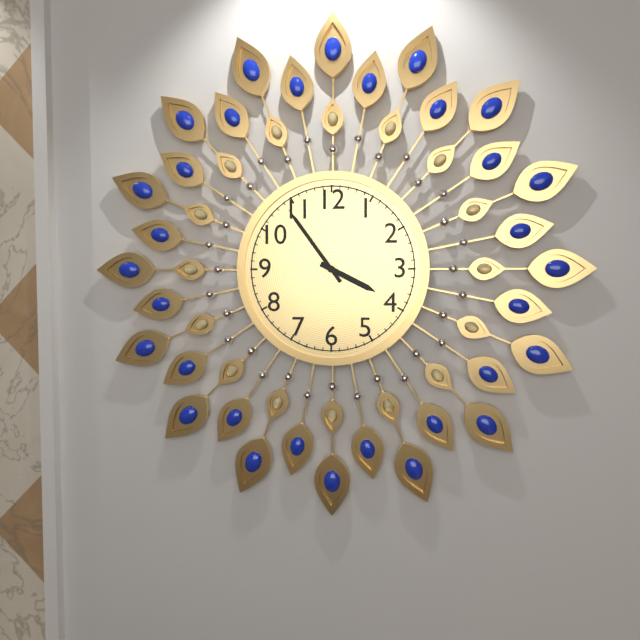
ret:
3:54
